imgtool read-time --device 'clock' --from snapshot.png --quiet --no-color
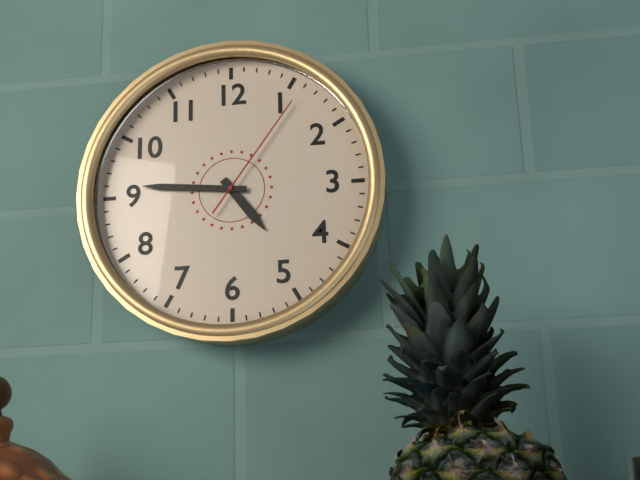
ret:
4:46:06
